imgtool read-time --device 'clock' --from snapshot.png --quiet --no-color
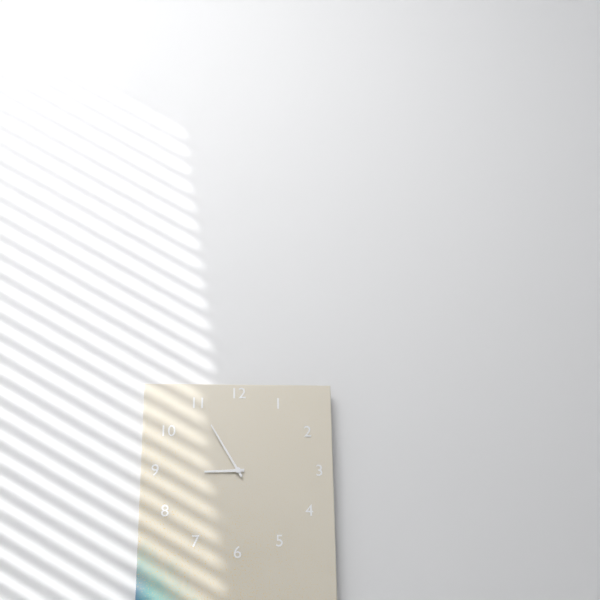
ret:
8:55
